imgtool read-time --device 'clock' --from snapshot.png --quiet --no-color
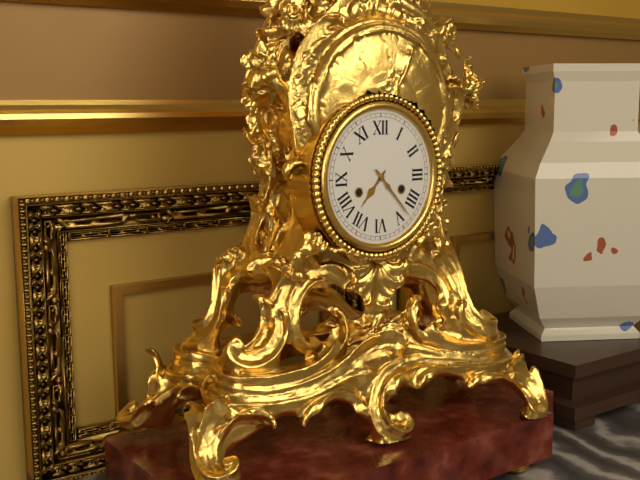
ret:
7:23
